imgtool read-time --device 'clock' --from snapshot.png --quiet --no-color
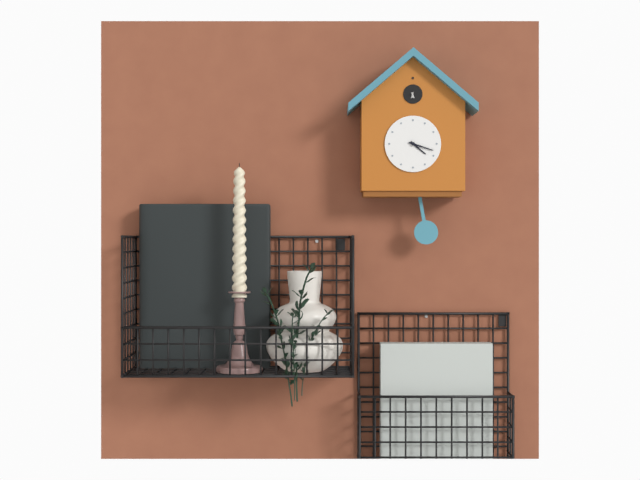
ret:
4:18
